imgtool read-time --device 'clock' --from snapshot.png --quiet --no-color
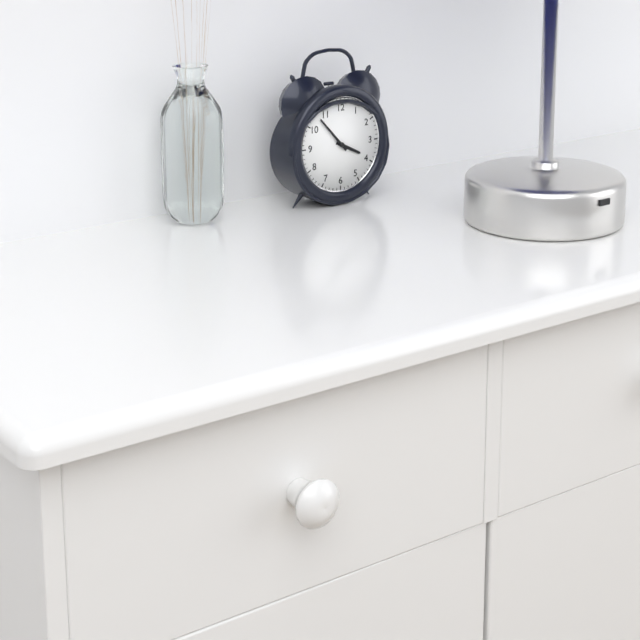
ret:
3:53
